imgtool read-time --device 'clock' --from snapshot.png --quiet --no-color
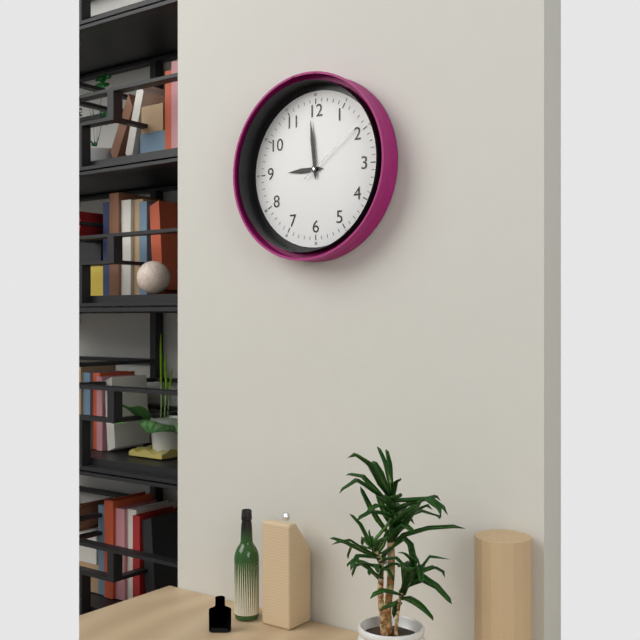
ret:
8:59:09
